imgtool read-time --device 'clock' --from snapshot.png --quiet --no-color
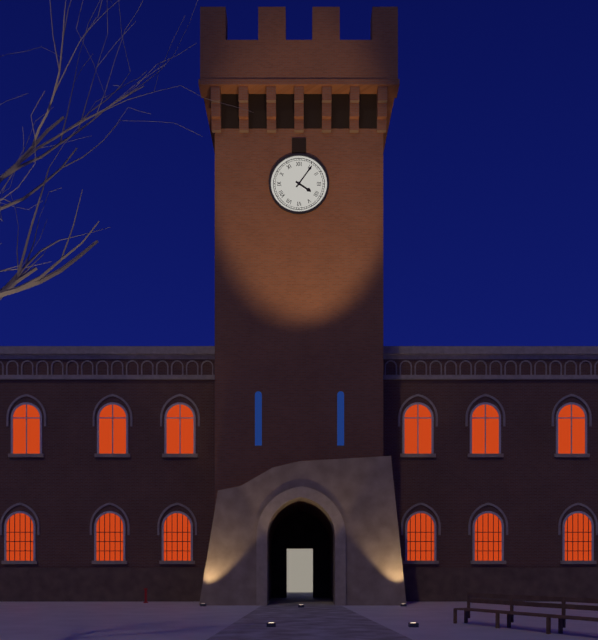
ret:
4:06
